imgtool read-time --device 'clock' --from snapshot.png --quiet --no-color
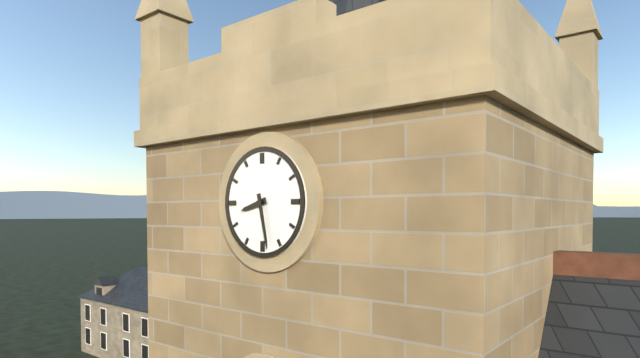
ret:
8:28
